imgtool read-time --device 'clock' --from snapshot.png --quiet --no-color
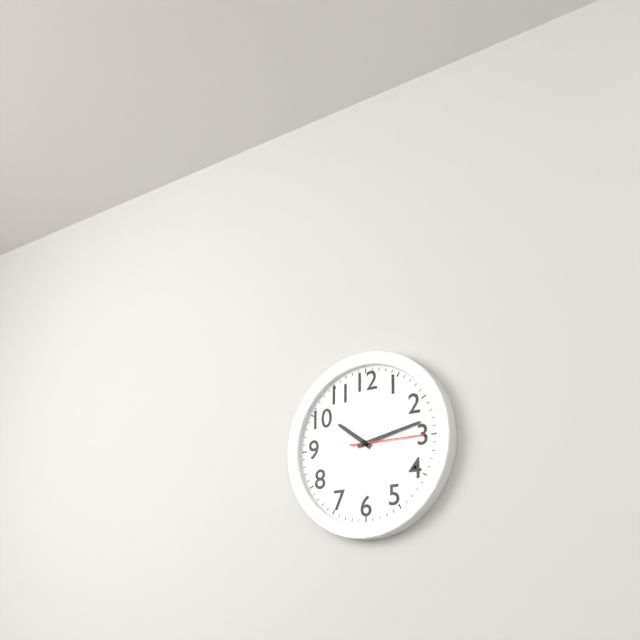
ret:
10:13:15
